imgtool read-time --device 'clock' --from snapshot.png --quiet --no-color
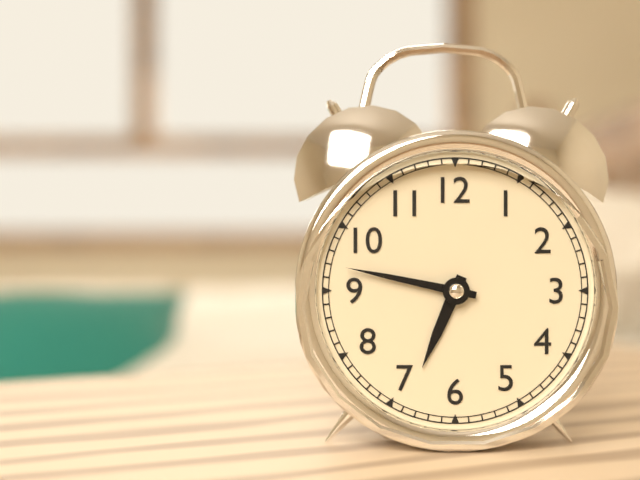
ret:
6:47
